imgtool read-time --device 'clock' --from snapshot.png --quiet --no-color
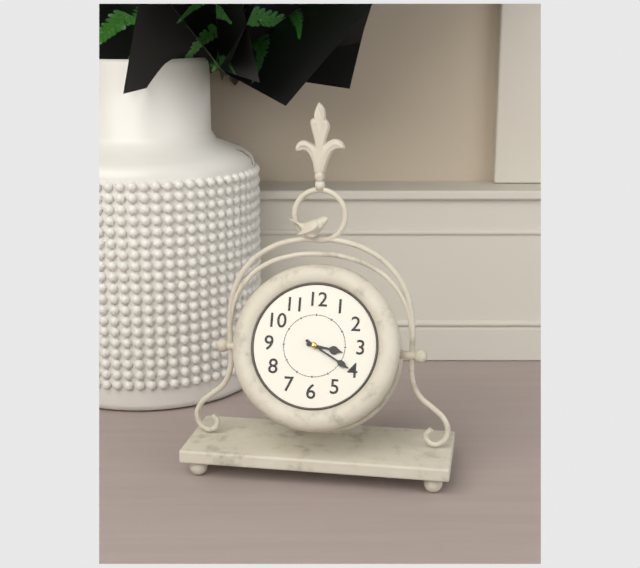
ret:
3:20
